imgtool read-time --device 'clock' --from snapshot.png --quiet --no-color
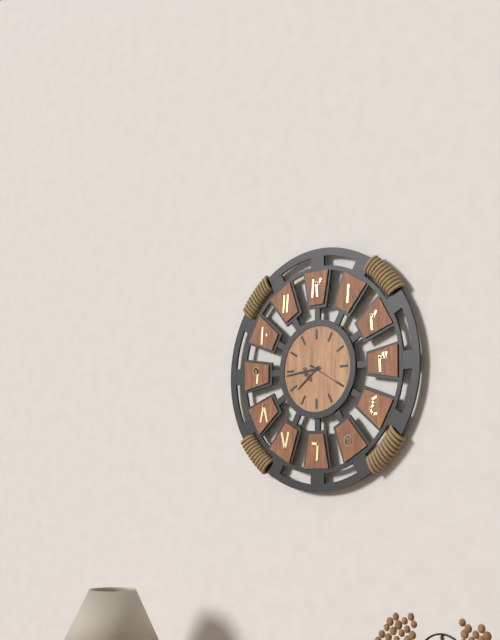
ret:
7:44
